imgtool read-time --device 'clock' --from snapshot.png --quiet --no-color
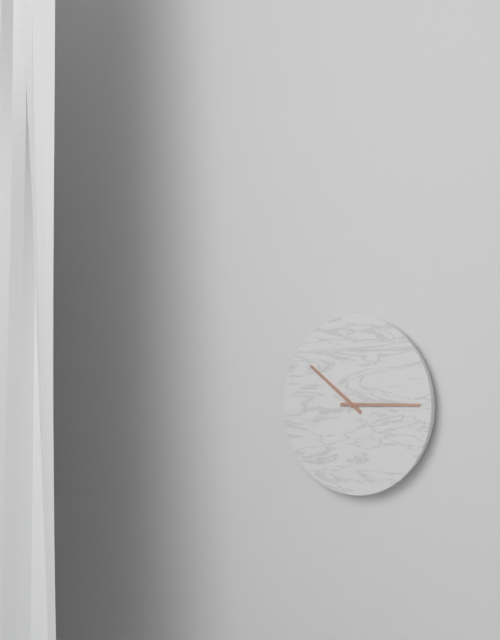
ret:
10:15
